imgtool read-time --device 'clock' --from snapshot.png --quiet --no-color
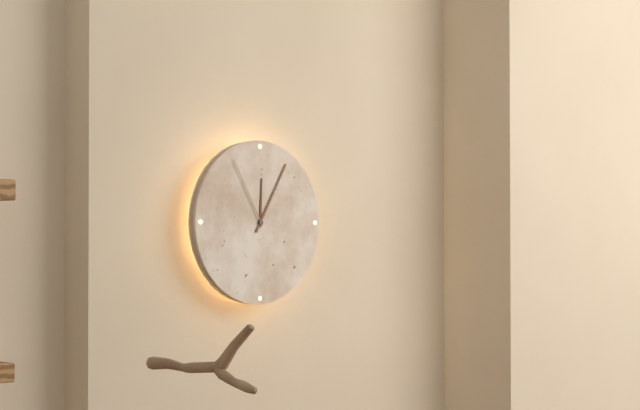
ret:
12:05:55
